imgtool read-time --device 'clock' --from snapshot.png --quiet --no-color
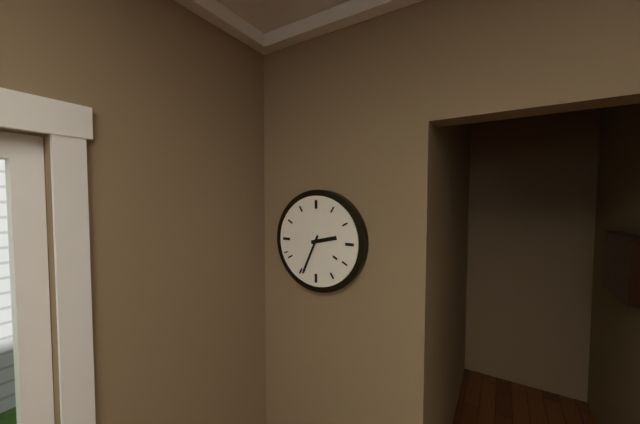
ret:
2:34
